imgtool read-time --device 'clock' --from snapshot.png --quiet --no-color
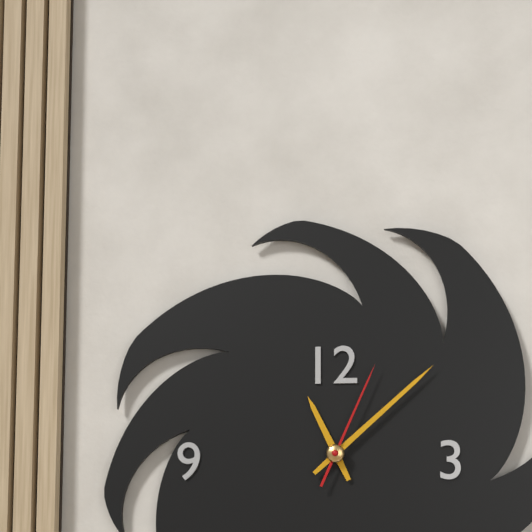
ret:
11:08:04
